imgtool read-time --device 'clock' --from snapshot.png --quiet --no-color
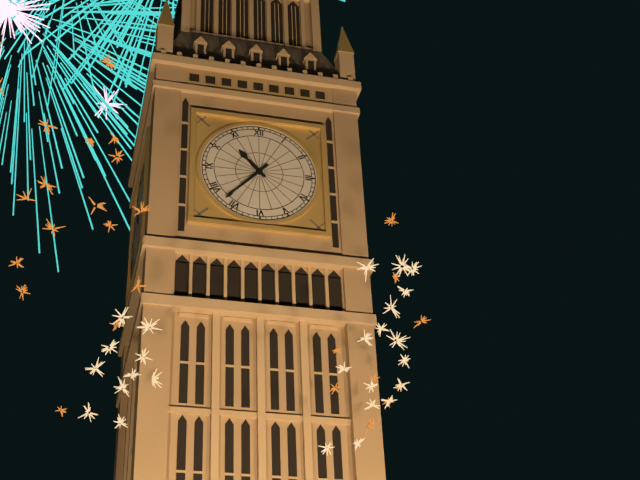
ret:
10:37
